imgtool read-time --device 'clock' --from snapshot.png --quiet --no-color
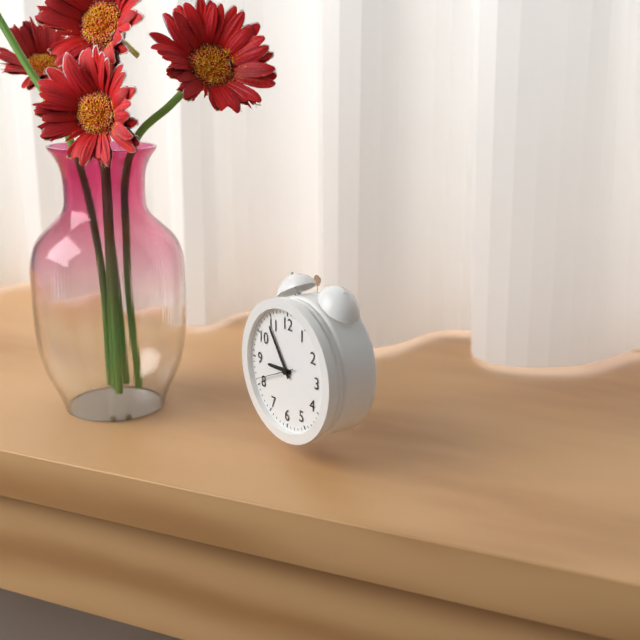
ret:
8:54
